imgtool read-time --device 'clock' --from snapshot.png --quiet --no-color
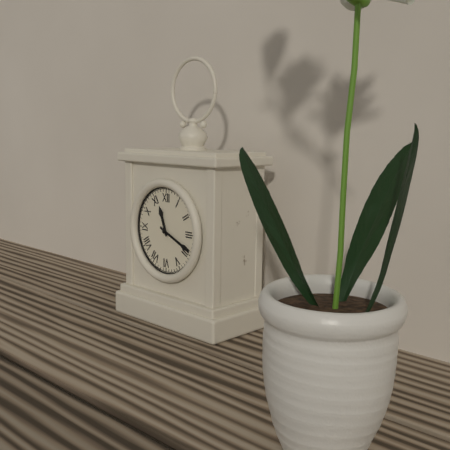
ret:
11:19
